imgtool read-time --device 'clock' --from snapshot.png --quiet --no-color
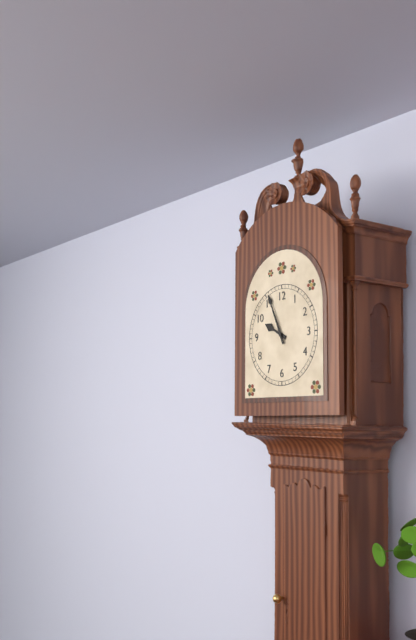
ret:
9:56
